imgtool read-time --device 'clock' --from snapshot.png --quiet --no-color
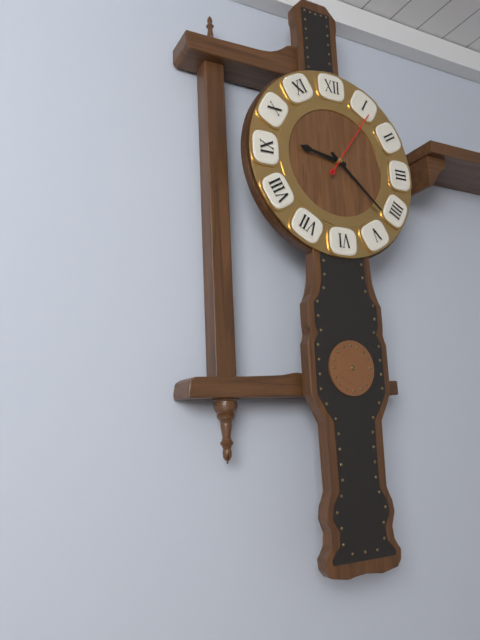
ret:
9:22:06
